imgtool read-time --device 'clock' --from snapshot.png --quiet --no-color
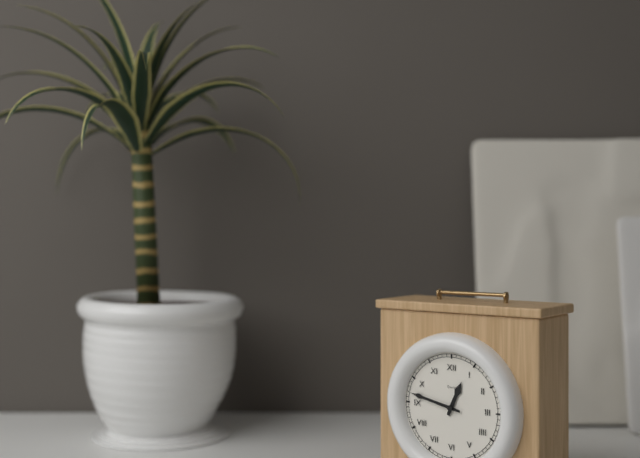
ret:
12:47
